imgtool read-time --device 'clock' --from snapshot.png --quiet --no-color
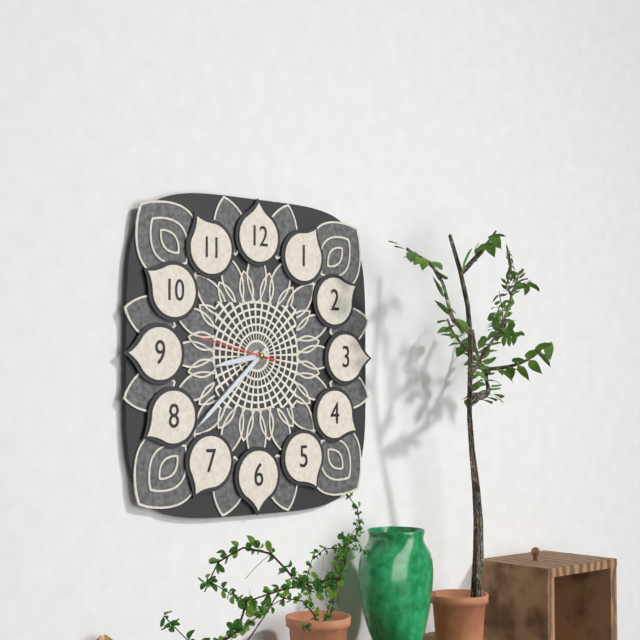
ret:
8:38:47
